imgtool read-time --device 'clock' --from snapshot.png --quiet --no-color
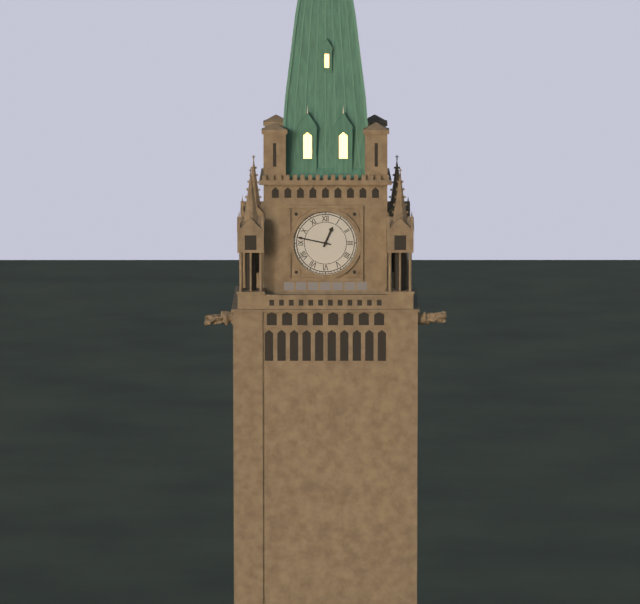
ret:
12:47
